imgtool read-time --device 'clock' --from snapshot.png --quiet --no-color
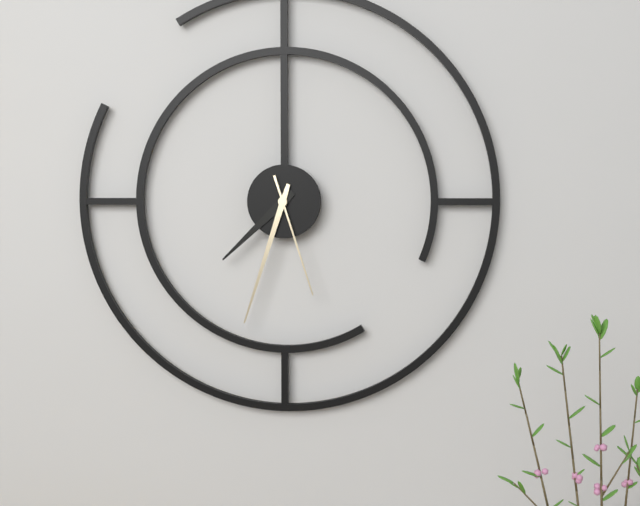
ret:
7:33:27
